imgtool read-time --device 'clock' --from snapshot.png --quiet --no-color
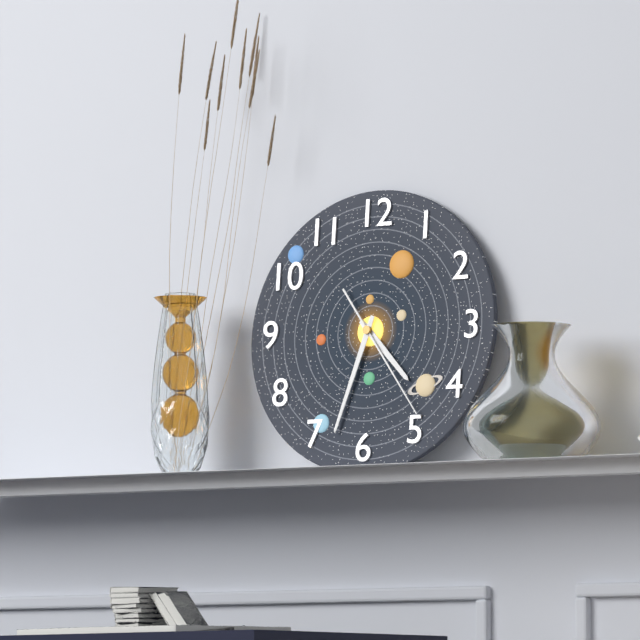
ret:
4:33:24
